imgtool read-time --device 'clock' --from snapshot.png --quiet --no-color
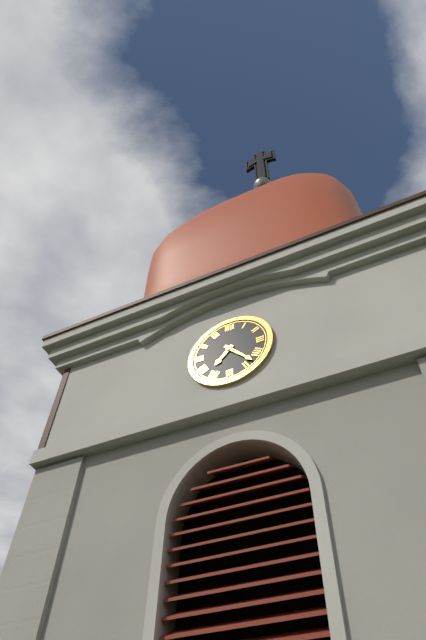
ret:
7:23
